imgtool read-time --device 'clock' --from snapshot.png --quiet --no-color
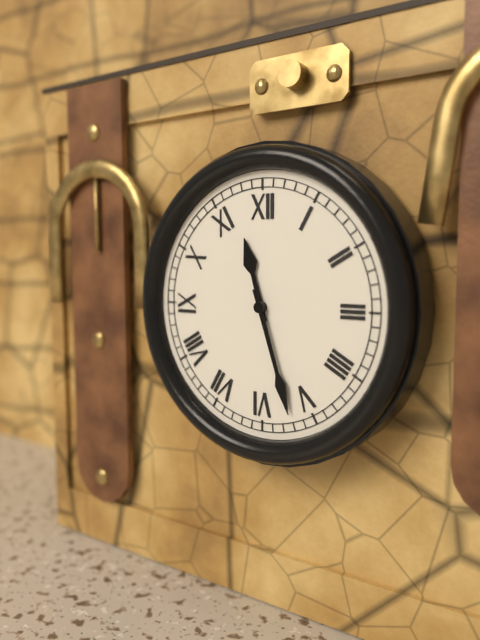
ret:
11:27
